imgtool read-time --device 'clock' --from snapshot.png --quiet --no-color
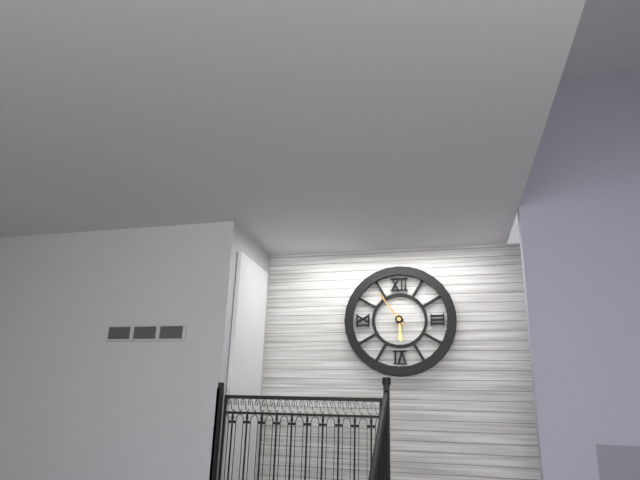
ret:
5:54
